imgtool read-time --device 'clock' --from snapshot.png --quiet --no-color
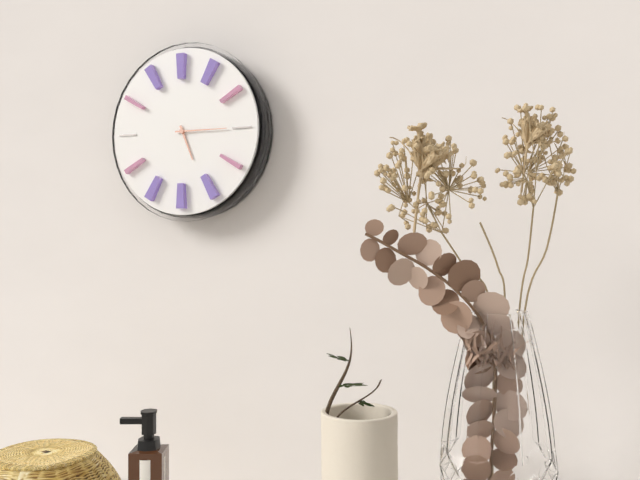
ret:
5:15
